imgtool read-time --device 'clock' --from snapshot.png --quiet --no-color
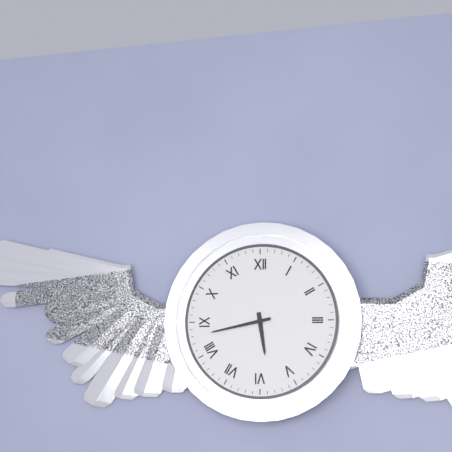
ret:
5:43
